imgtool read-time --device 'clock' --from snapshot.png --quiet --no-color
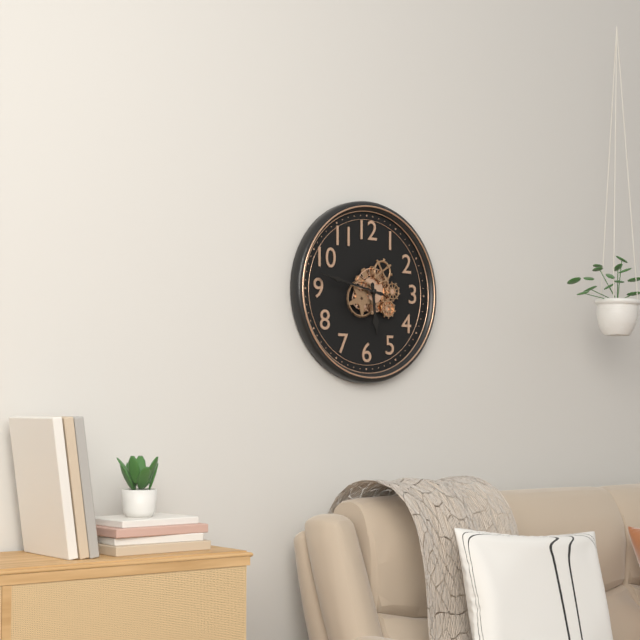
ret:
5:47
